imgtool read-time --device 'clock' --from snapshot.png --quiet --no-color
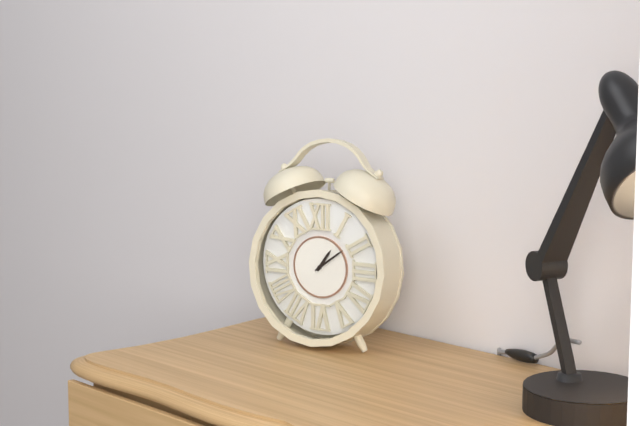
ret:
1:09
